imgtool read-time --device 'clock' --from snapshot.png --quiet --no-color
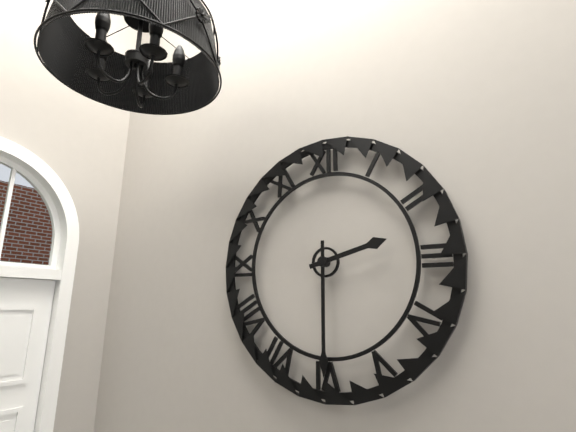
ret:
2:30
